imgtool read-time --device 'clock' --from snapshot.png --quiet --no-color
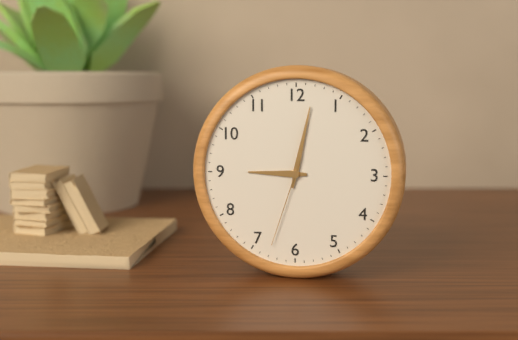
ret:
9:02:33
